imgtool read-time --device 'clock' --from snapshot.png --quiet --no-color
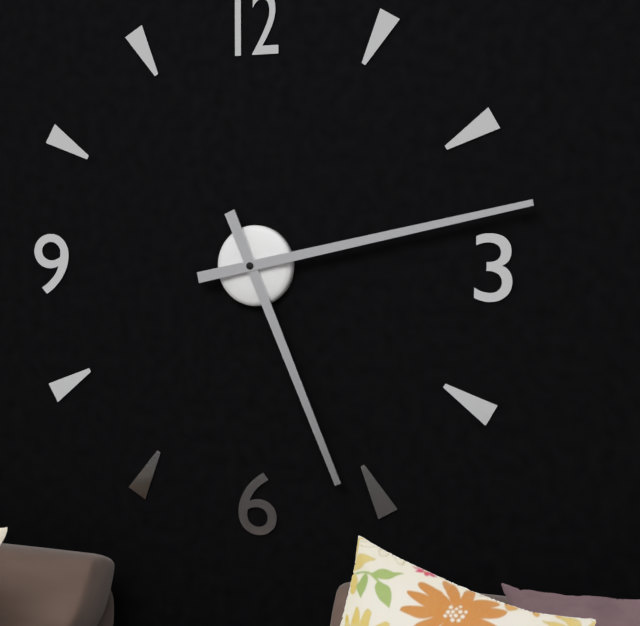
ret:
5:13
